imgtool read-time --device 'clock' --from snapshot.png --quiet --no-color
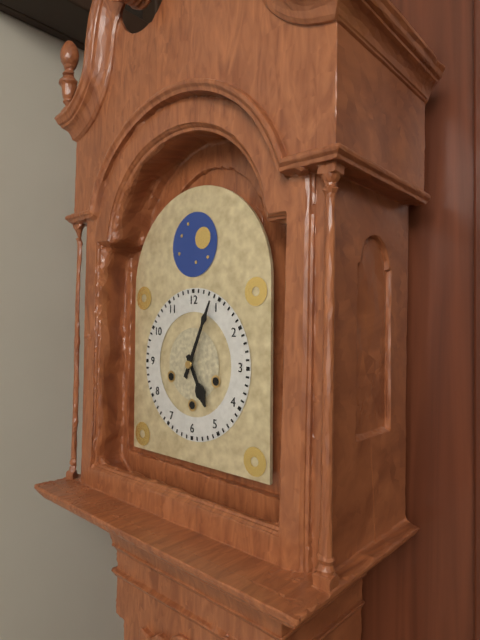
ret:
5:04
